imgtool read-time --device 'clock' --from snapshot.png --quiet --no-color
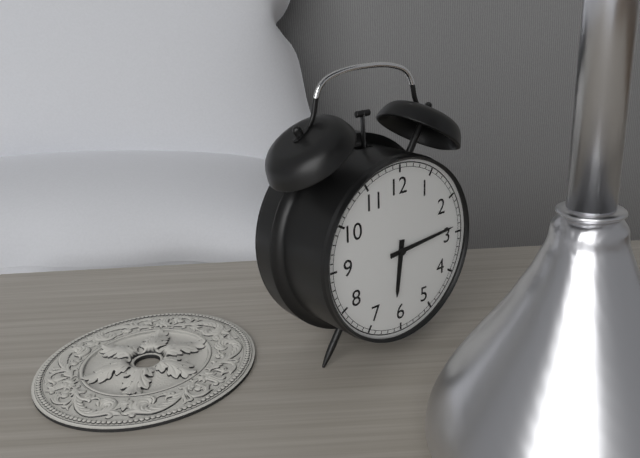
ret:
6:14
